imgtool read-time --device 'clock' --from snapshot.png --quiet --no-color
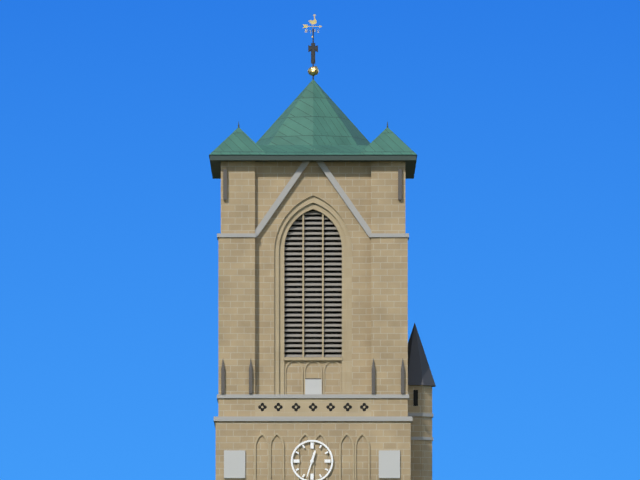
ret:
12:33
